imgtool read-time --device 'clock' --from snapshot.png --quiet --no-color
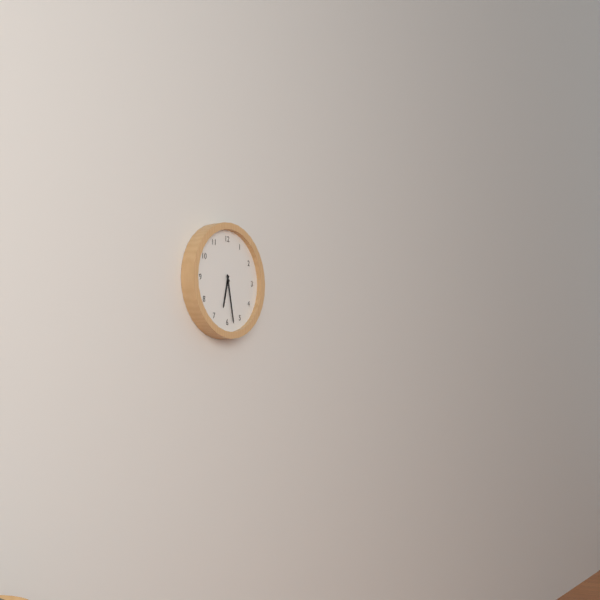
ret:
6:28
